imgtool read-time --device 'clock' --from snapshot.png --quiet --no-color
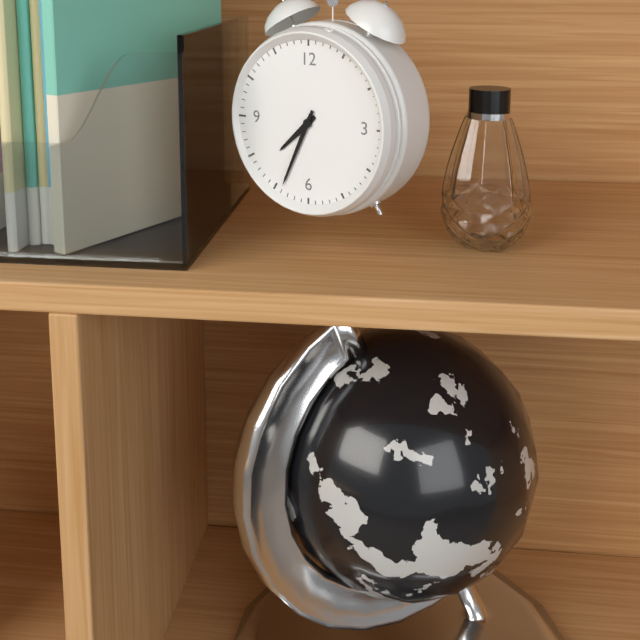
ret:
7:34
